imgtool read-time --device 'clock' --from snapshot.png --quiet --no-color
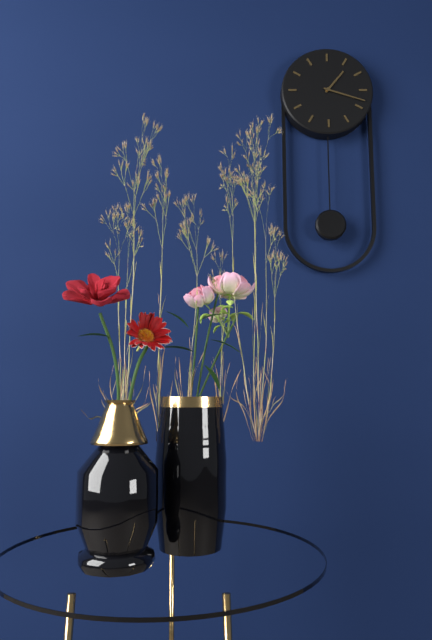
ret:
1:18
